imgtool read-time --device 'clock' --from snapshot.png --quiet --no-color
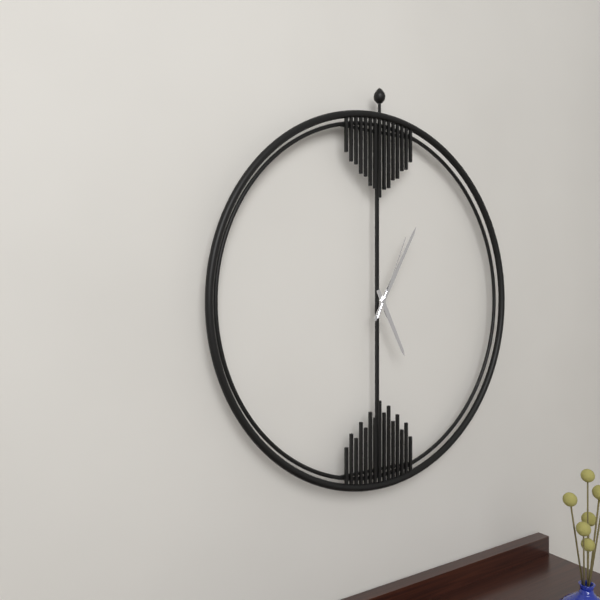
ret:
5:05:04
